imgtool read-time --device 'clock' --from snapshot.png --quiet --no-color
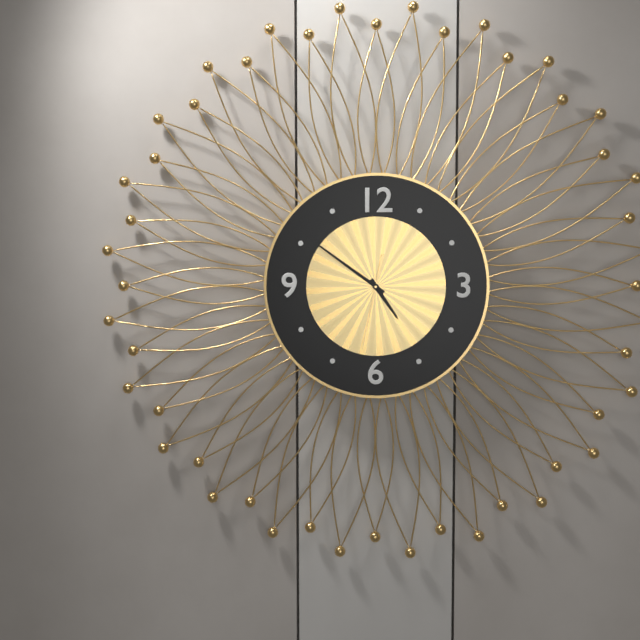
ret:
4:51:32
